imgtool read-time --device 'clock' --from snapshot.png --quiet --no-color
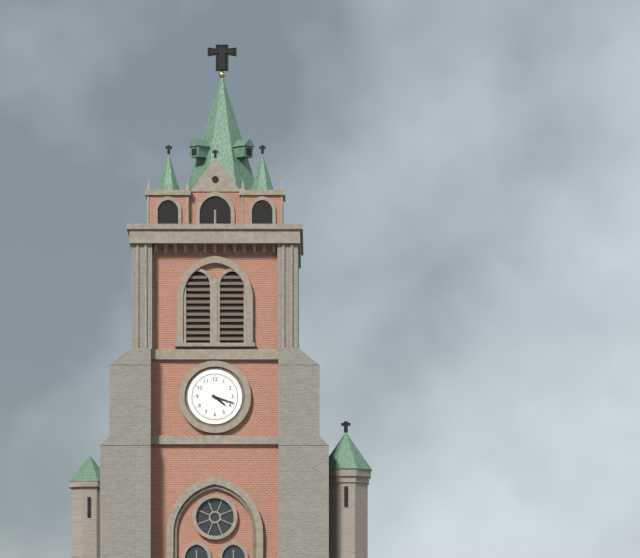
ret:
4:18
